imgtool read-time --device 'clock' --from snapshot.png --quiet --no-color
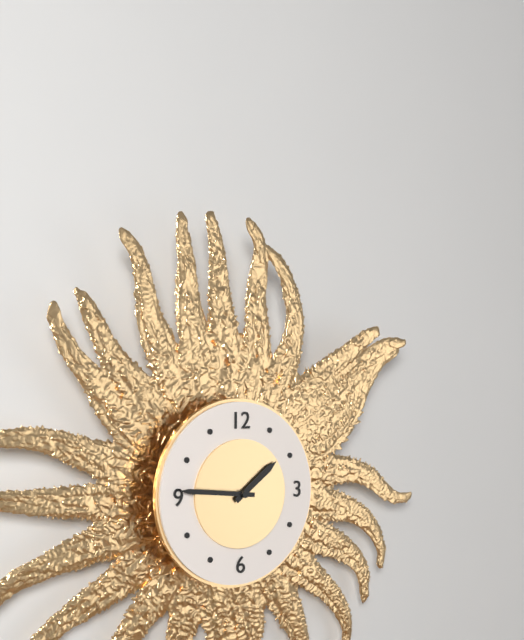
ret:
1:46
